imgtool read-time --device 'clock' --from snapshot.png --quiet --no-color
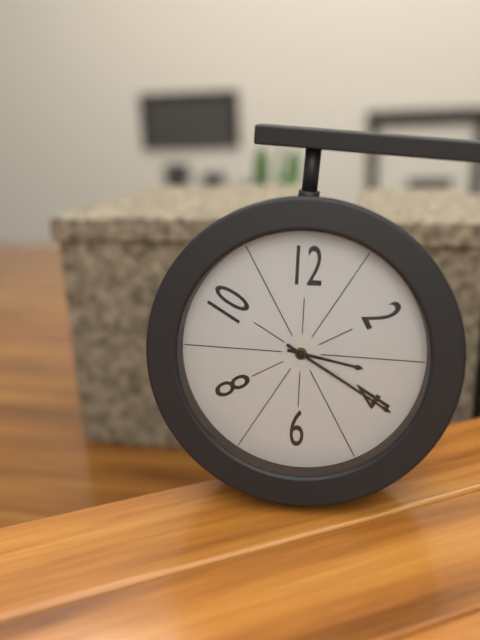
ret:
3:20
